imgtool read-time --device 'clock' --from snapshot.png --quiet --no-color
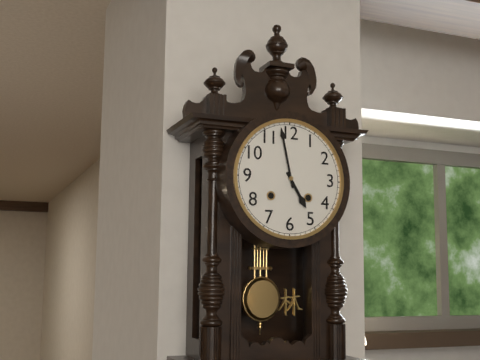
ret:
4:58
